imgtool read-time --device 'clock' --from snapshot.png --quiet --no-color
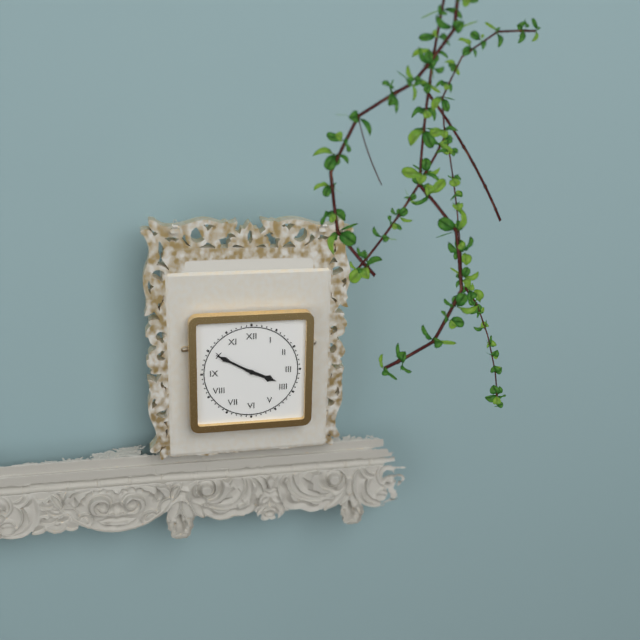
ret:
3:50
